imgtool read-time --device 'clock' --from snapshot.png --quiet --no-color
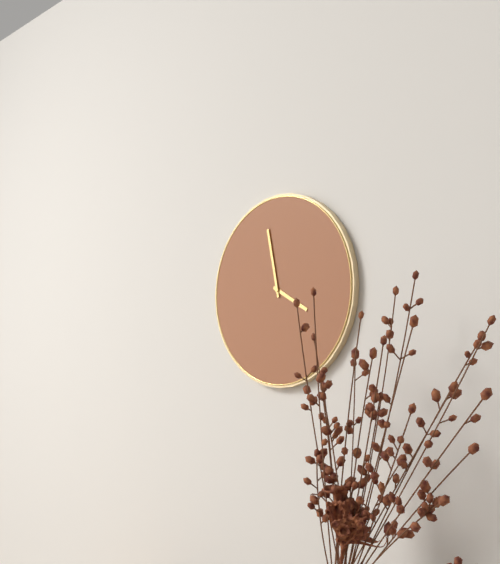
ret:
3:58
